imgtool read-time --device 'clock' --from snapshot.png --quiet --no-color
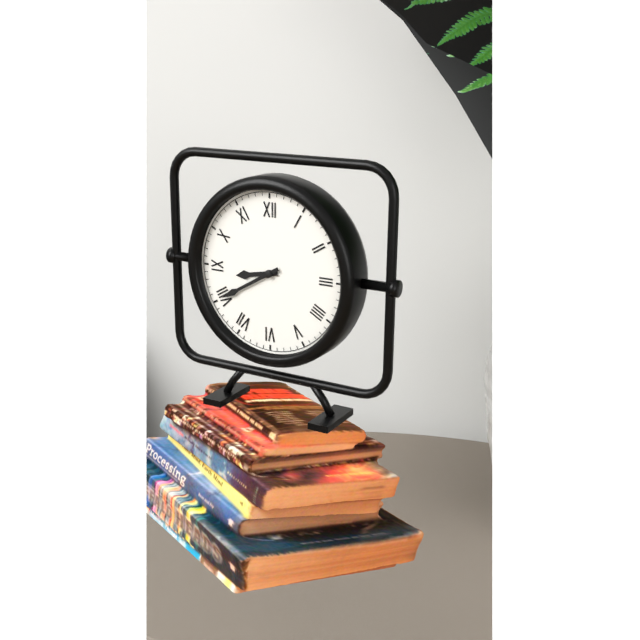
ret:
8:40
